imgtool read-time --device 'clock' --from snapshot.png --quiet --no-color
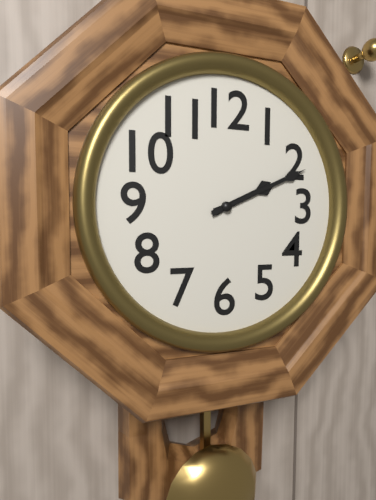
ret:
2:11
